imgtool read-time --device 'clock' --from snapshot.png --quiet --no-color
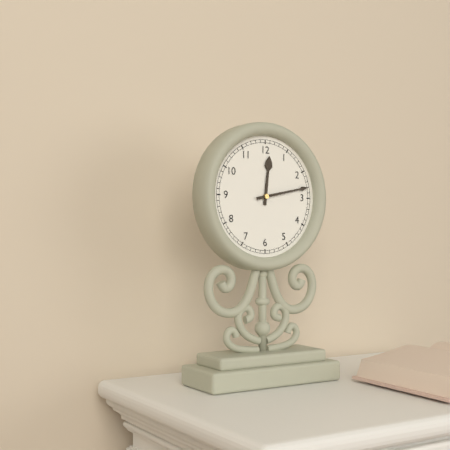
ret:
12:13
